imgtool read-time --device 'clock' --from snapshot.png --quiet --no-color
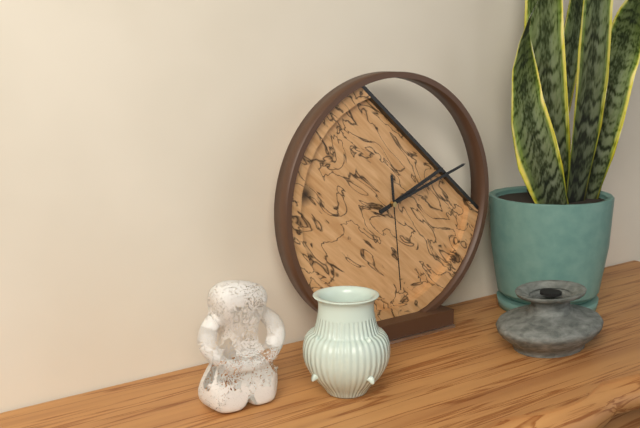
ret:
2:12:29
